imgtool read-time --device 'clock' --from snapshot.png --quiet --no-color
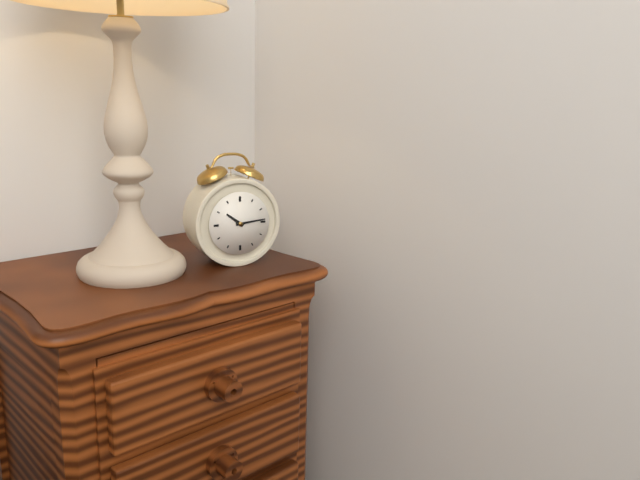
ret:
10:14
